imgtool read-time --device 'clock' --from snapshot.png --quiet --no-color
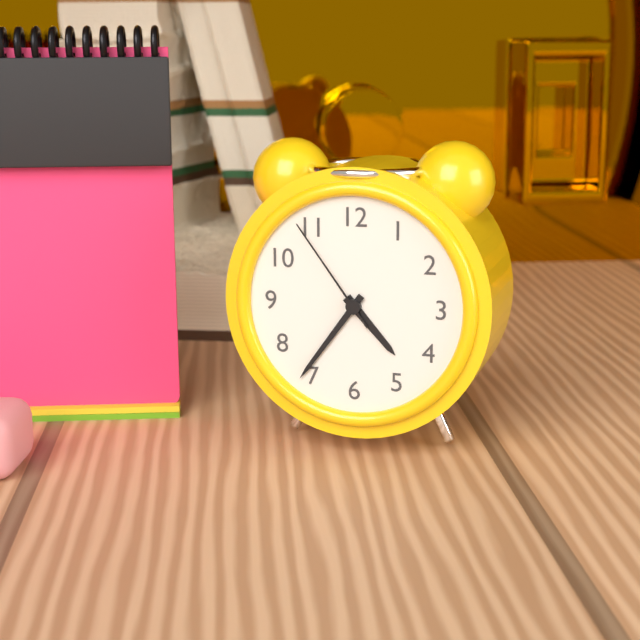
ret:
4:36:54
